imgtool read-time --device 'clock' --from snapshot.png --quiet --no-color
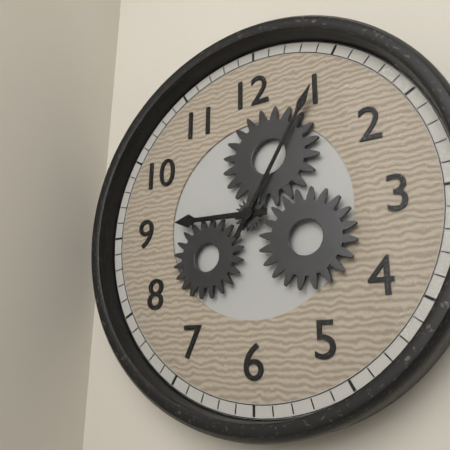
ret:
9:05
